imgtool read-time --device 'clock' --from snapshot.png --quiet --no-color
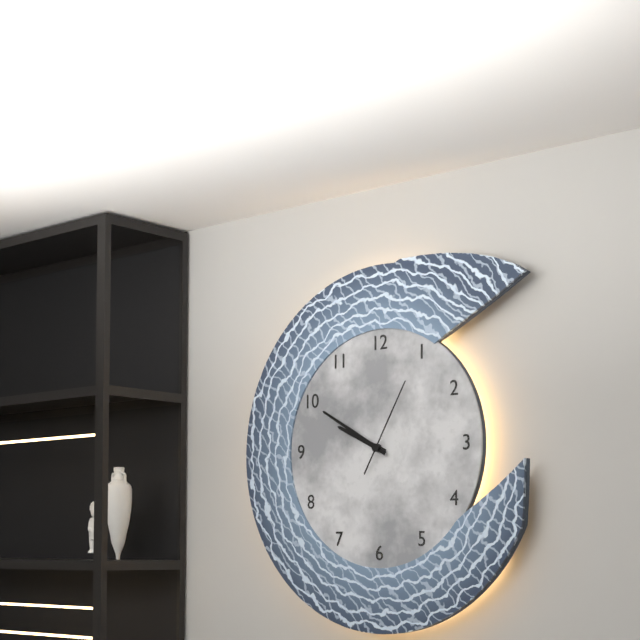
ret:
9:50:05
